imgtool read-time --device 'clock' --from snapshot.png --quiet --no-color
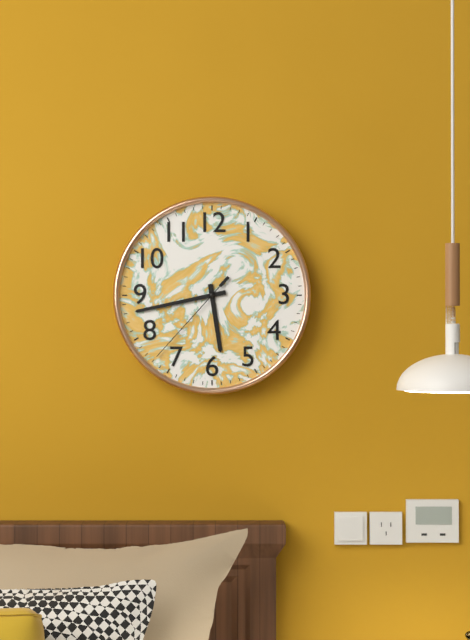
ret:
5:43:37
